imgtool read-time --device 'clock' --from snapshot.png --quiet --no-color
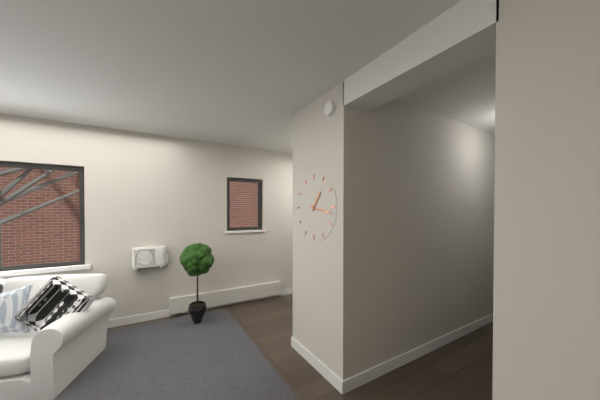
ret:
1:17
